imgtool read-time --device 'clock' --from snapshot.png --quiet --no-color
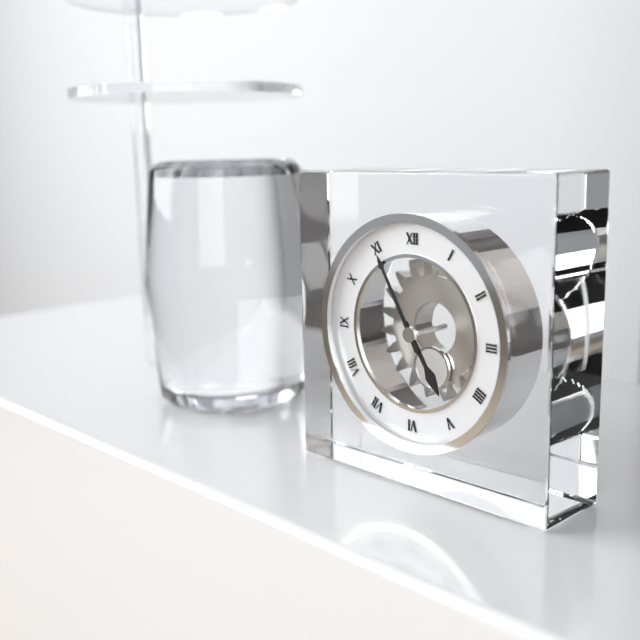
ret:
4:55
